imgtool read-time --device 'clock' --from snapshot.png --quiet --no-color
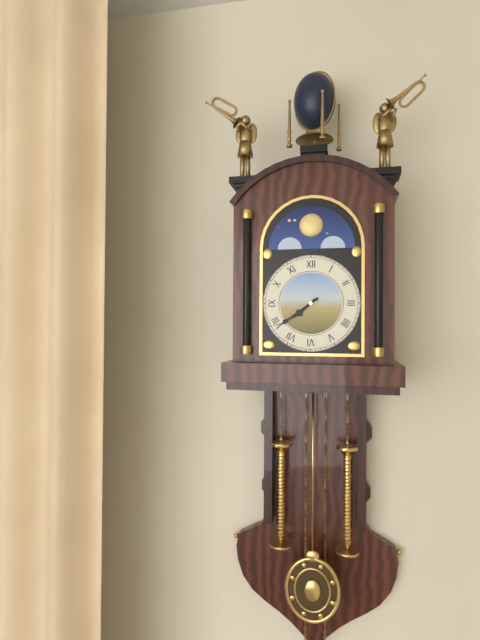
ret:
7:39
